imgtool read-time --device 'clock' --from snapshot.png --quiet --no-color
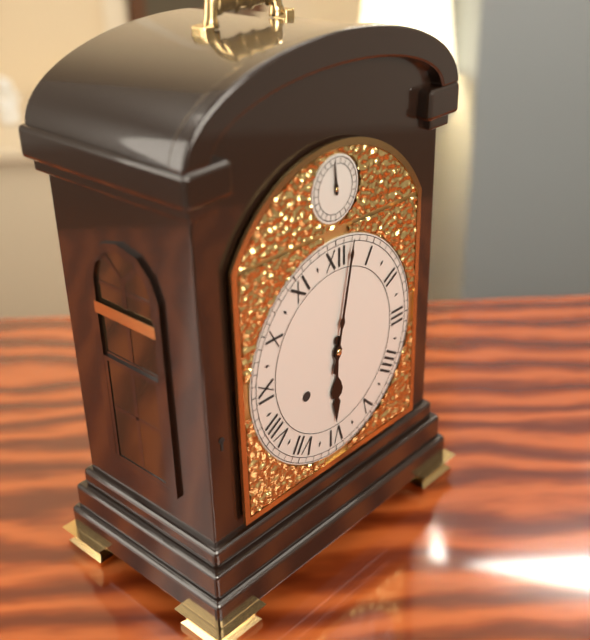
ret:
6:02
